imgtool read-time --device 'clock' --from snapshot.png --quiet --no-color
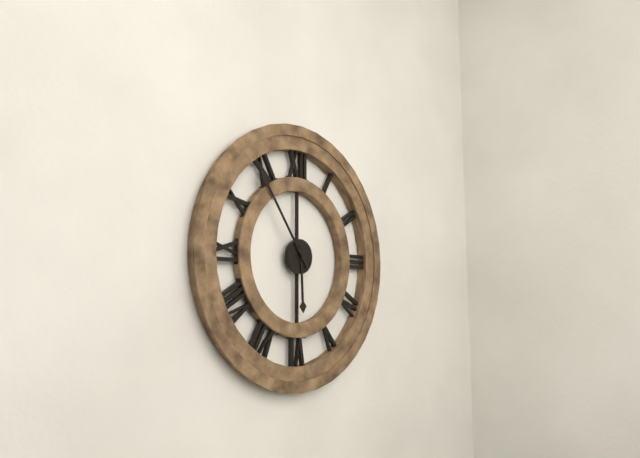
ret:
5:54
